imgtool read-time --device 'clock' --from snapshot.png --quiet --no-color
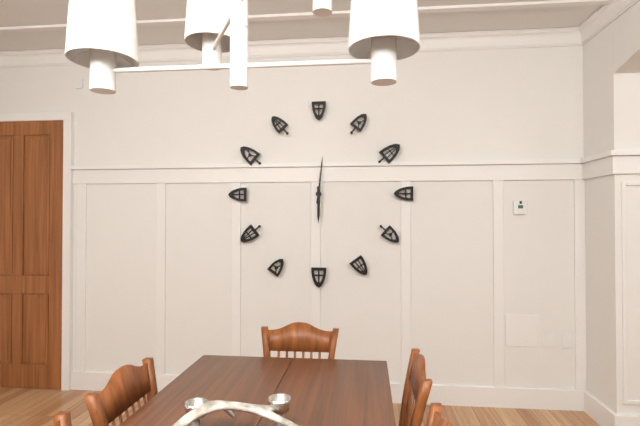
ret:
6:01
